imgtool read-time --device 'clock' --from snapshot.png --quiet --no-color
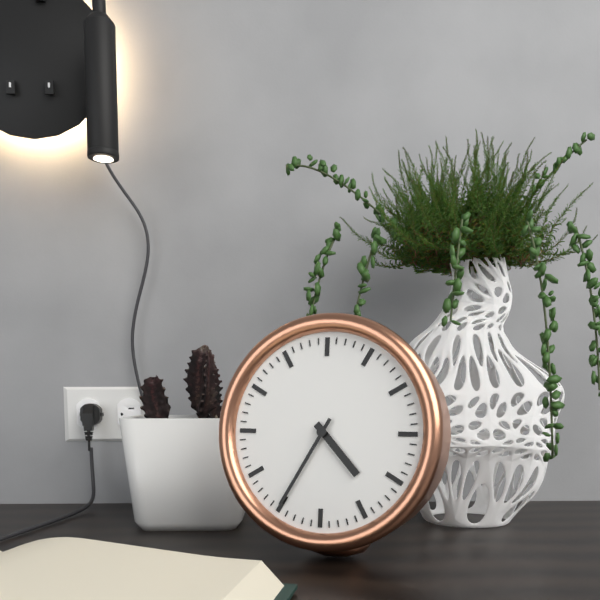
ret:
4:35
